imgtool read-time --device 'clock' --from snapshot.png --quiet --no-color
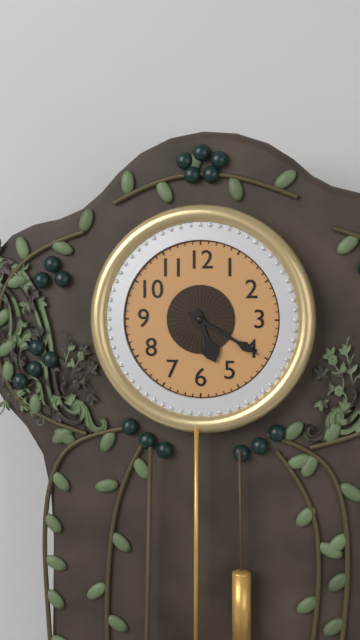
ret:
5:20
